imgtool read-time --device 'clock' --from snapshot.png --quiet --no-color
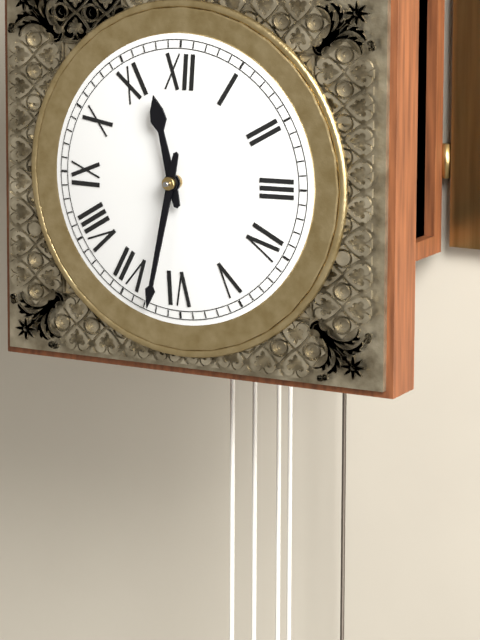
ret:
11:32
